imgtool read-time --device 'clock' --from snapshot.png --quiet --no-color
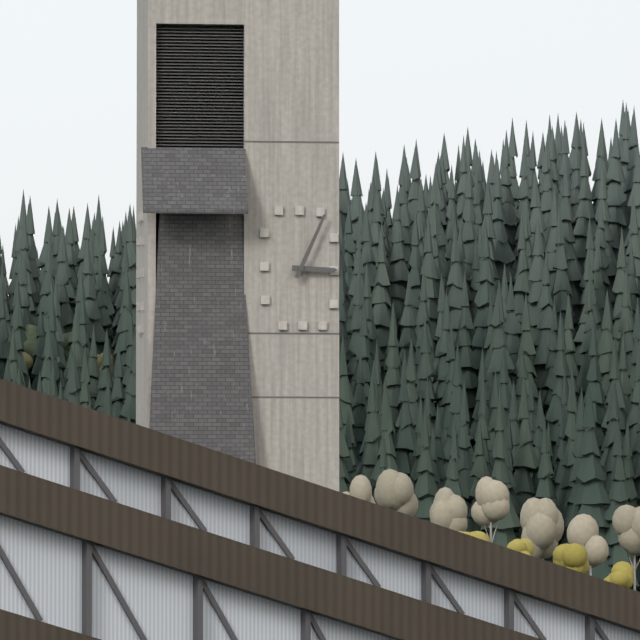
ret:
3:04
